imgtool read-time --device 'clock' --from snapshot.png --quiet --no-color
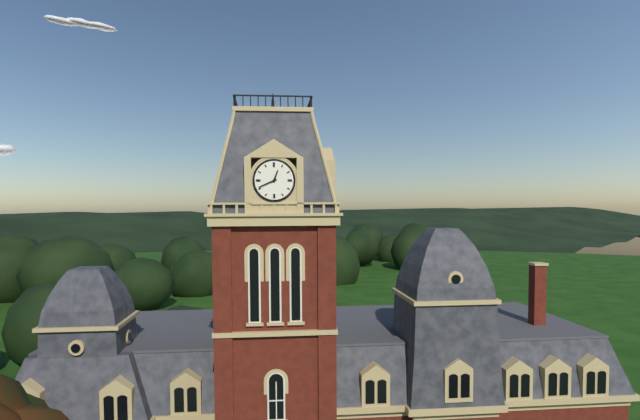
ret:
12:41
